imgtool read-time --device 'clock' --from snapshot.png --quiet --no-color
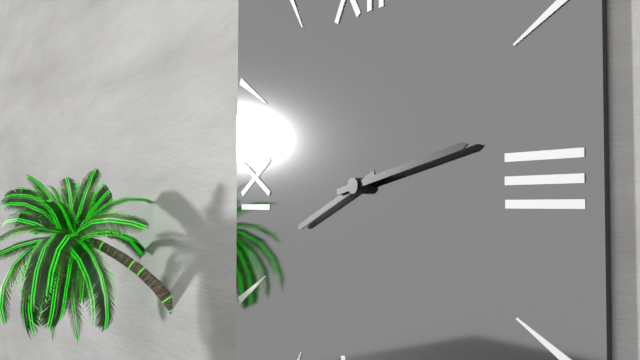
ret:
8:13
